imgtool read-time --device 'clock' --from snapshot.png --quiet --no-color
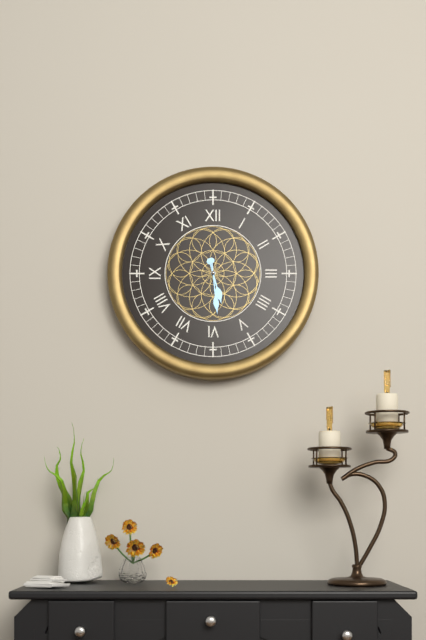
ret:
5:29
